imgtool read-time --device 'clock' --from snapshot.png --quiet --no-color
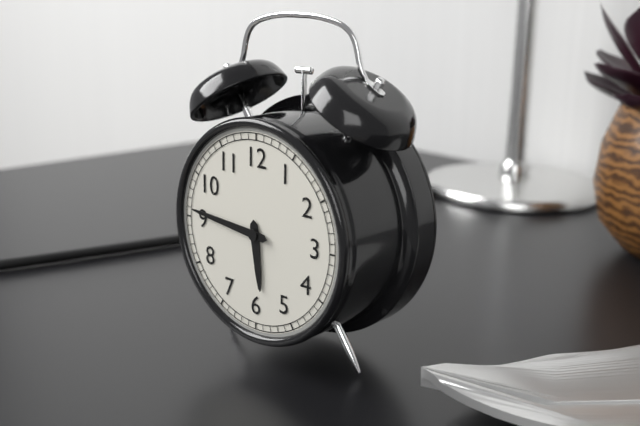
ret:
5:46
